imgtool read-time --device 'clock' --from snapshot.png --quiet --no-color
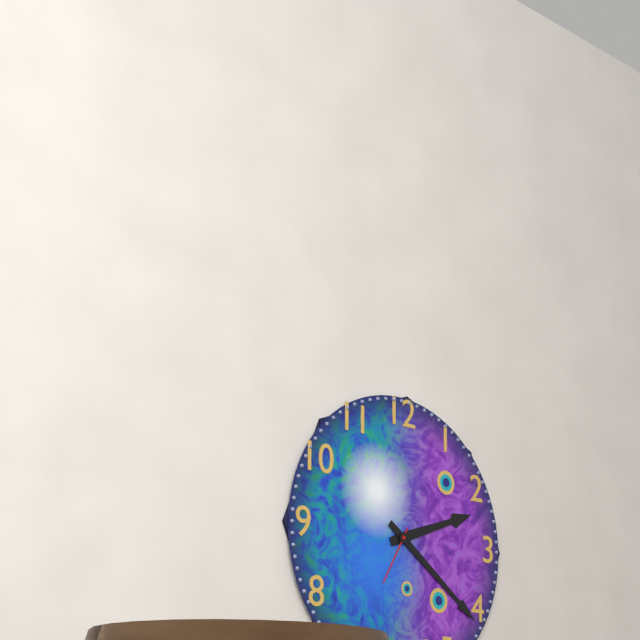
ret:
2:21:35
